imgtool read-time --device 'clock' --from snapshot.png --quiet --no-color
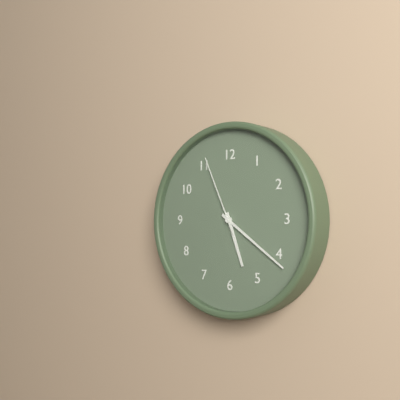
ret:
5:21:56
